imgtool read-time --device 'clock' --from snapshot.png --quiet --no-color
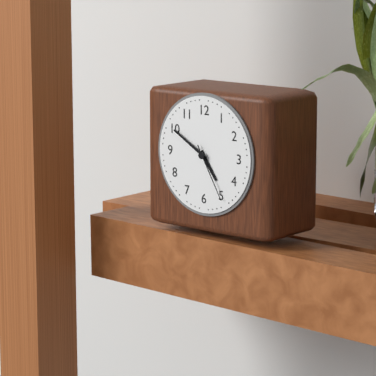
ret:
4:50:25
